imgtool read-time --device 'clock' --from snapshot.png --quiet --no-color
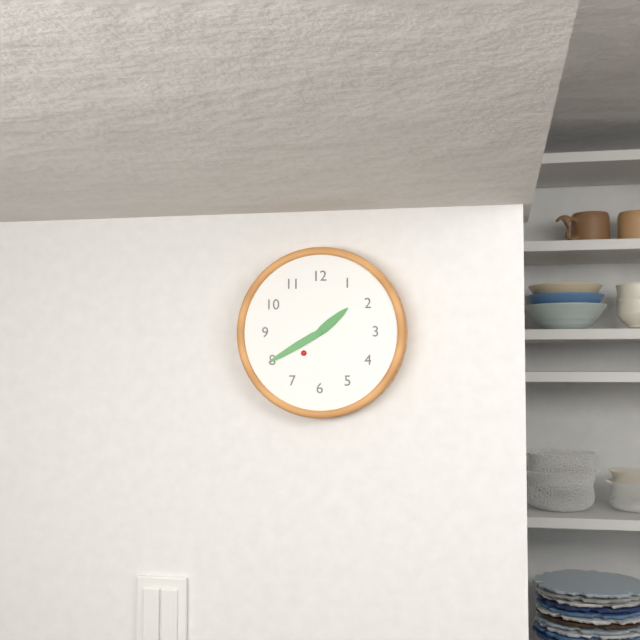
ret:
1:40
